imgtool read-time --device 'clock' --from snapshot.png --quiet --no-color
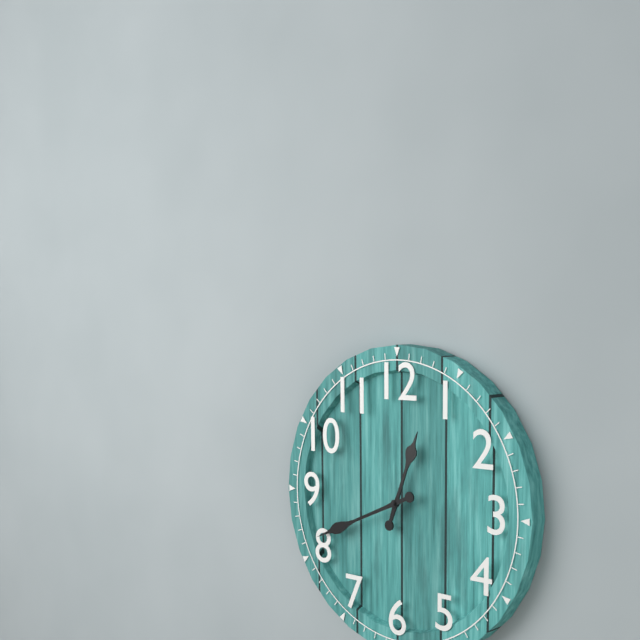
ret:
12:41
